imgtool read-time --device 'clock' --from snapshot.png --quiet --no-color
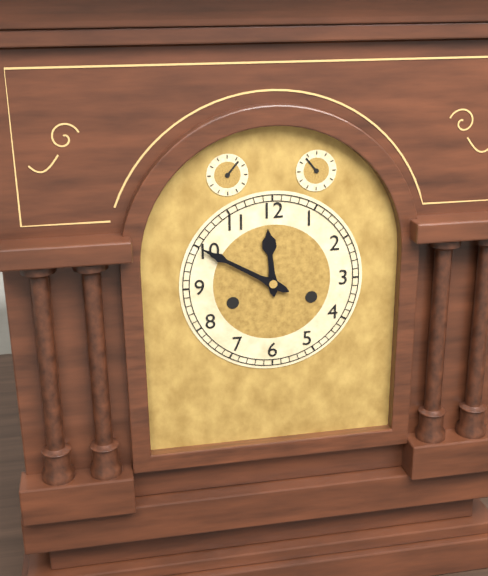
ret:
11:50
